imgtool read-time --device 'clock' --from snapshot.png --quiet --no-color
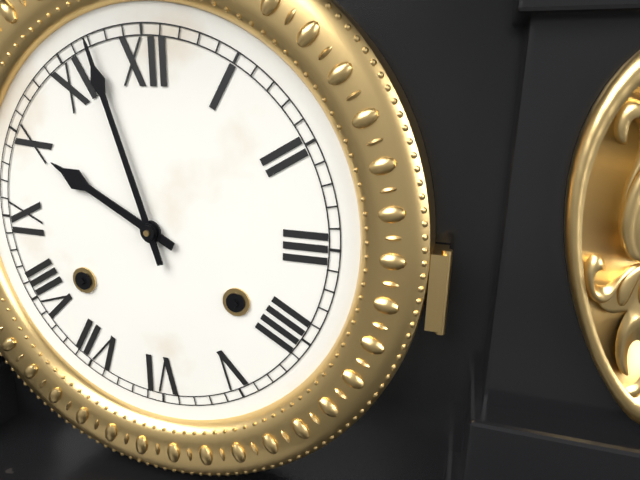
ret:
9:57
